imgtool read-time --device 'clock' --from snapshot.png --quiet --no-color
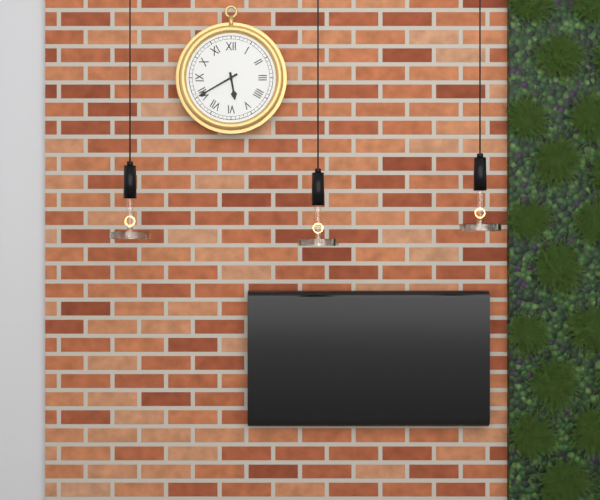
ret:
5:40
